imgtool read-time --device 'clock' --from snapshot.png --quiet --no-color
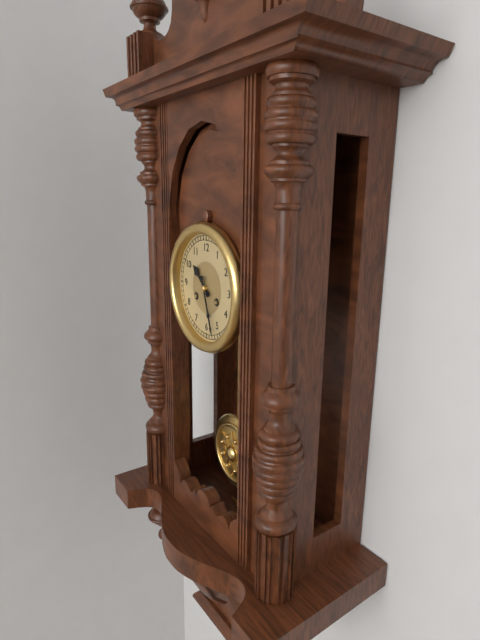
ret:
10:27
